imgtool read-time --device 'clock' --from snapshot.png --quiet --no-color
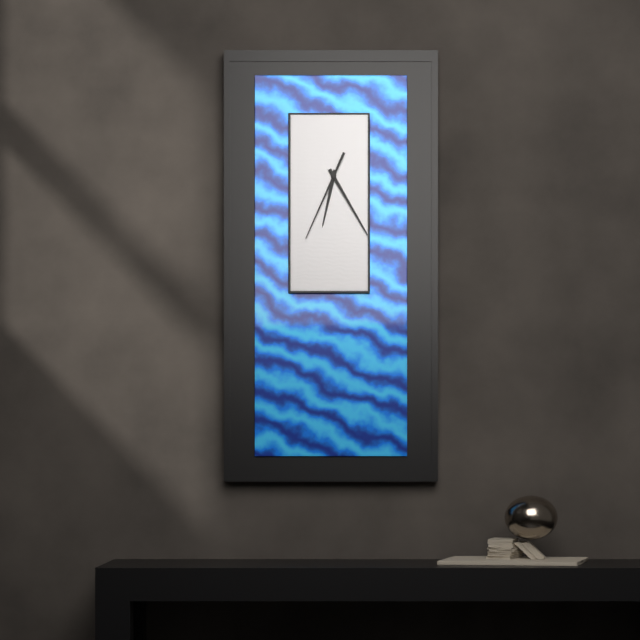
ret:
6:25:34
